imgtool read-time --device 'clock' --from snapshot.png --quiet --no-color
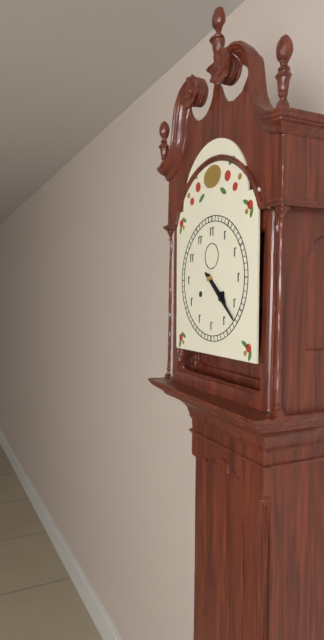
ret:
4:22
